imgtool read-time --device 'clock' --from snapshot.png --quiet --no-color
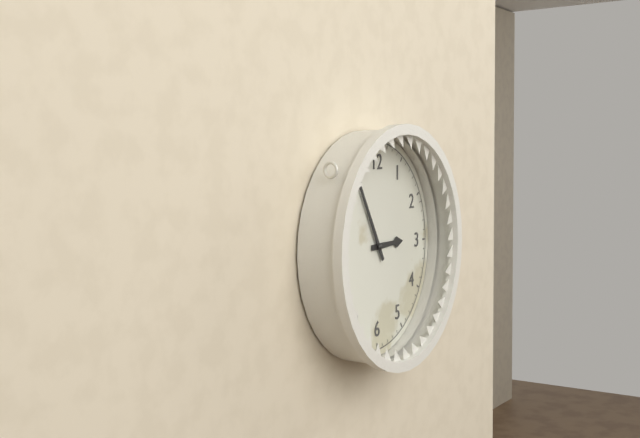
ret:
2:55
